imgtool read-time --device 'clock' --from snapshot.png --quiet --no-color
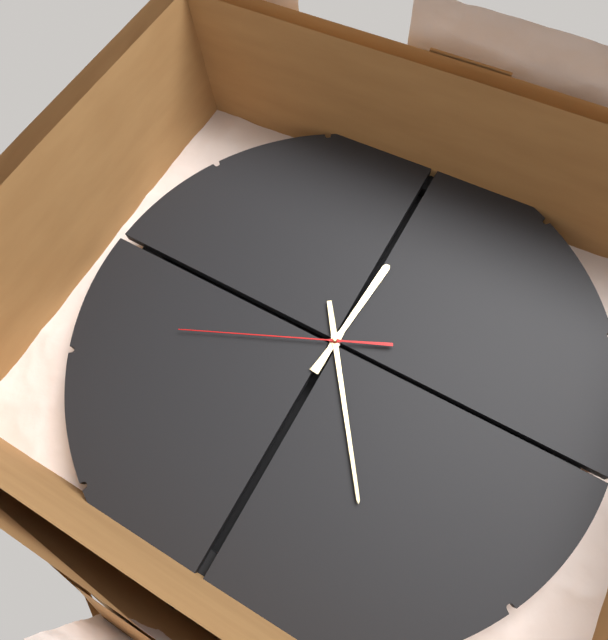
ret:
9:09:26
